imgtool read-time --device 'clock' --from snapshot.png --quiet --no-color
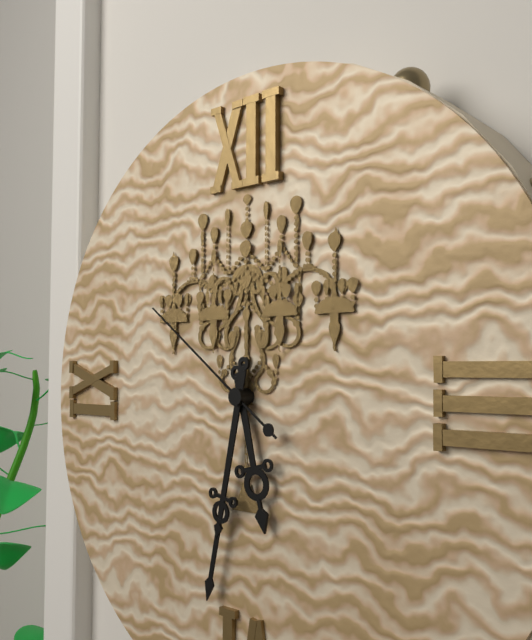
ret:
5:32:51
